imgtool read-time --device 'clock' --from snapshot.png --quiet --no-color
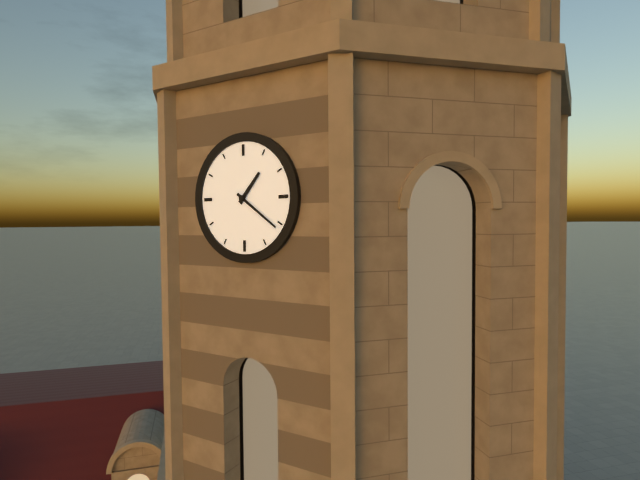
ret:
1:21
